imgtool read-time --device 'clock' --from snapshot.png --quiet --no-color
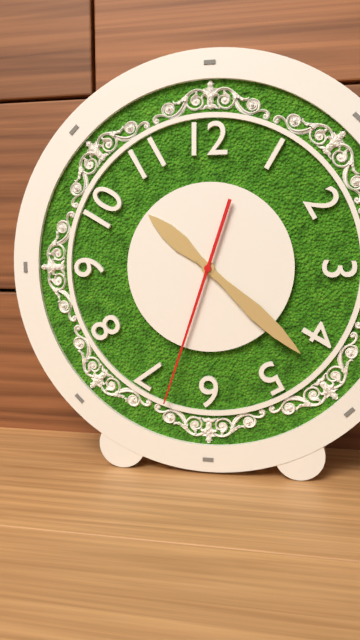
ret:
10:22:33
